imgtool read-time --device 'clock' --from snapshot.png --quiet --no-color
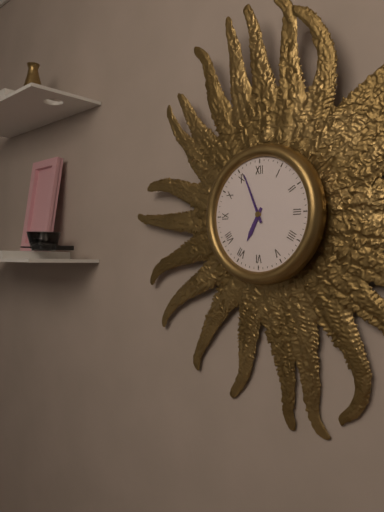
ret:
6:56
